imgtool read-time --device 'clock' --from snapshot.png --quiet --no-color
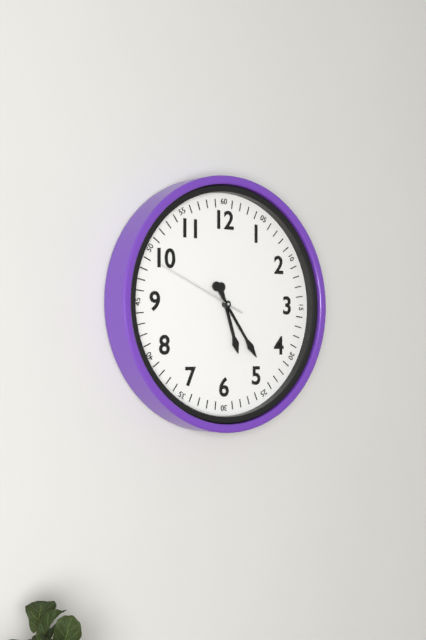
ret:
5:24:49
